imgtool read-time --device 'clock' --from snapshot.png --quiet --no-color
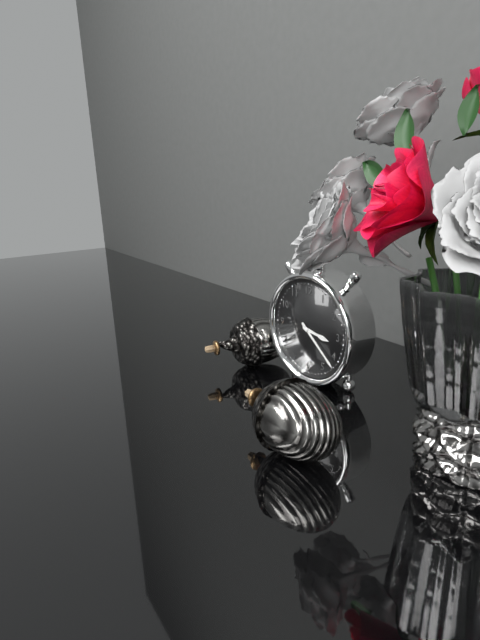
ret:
3:22
